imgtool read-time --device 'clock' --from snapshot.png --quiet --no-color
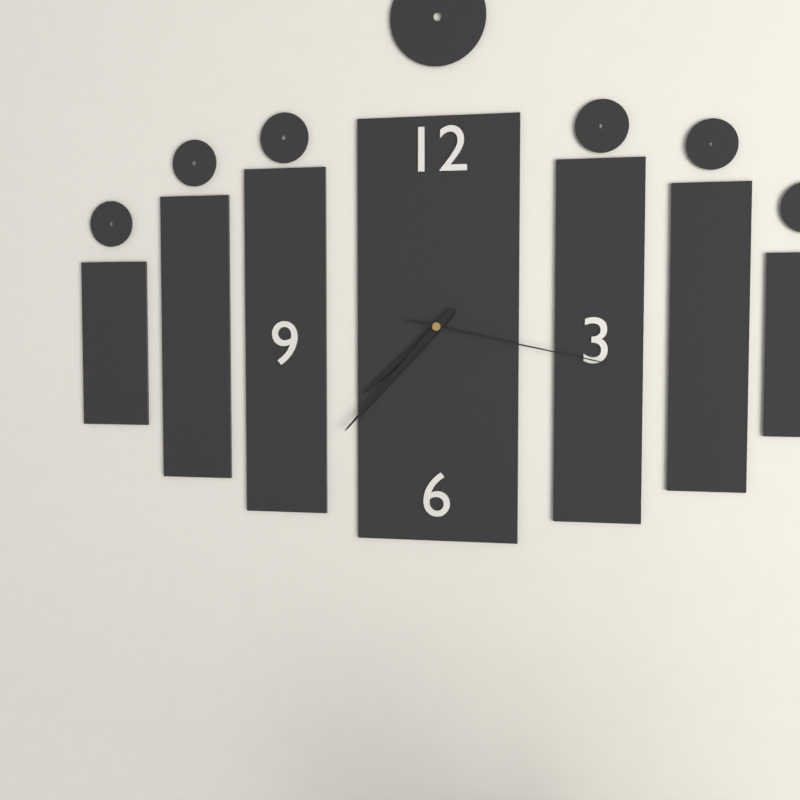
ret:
7:37:17
